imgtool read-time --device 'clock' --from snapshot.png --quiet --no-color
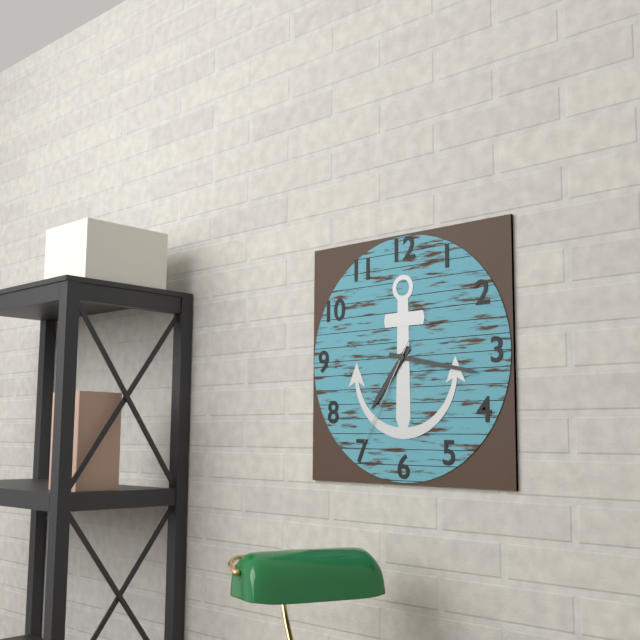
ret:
7:17:35
